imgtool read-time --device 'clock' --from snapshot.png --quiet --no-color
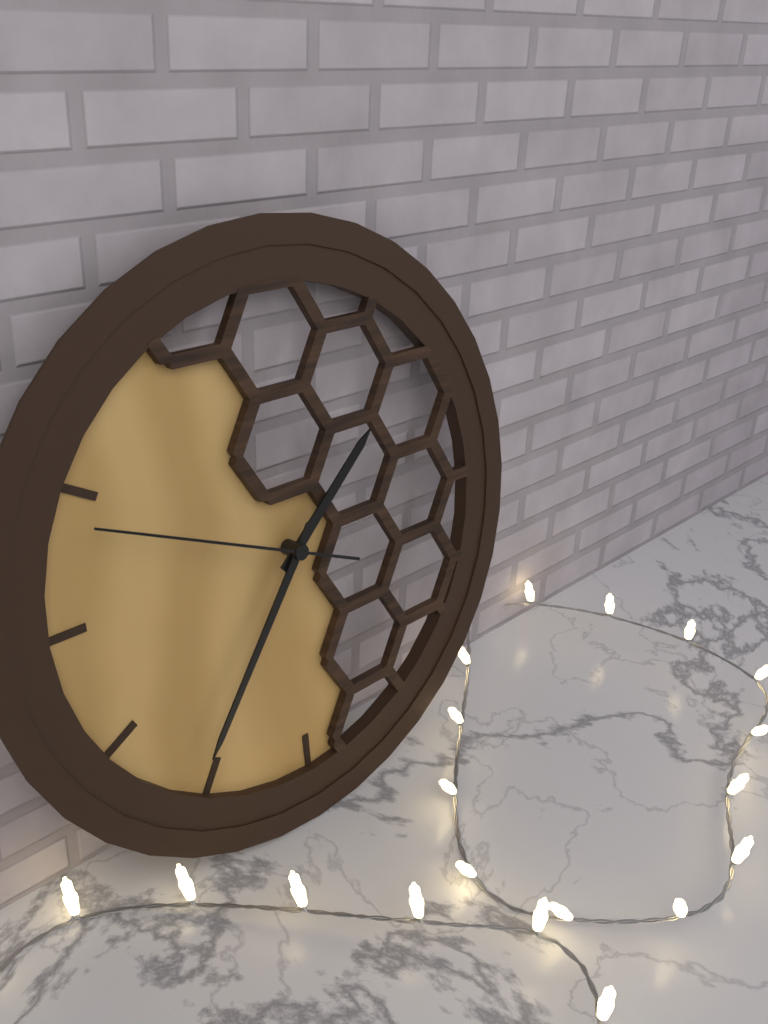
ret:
1:36:49
